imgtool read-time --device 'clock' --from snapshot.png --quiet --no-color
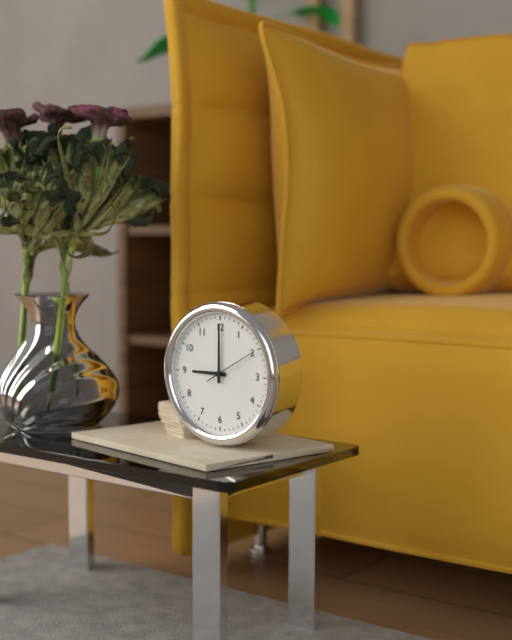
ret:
9:00
